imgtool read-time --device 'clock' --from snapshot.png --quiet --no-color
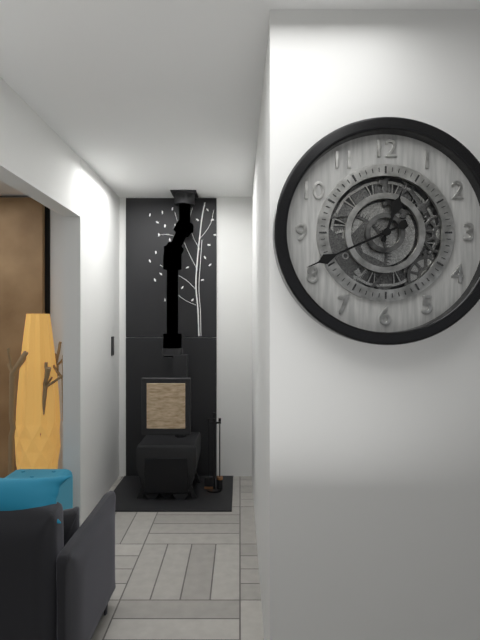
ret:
12:41
